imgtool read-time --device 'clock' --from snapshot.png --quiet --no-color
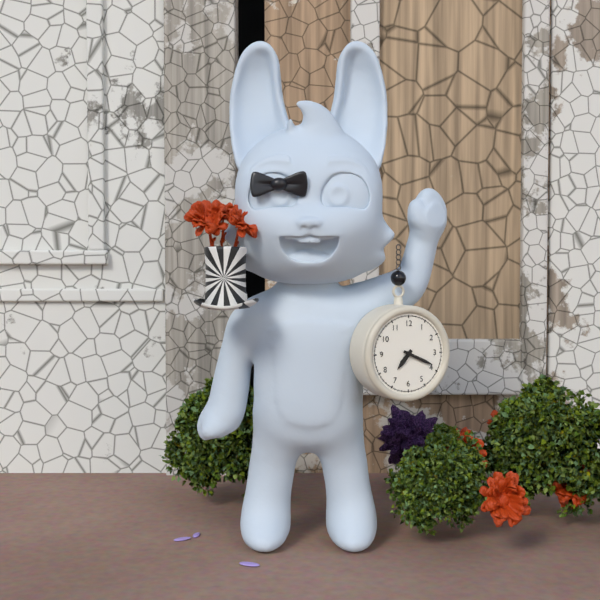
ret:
7:19
